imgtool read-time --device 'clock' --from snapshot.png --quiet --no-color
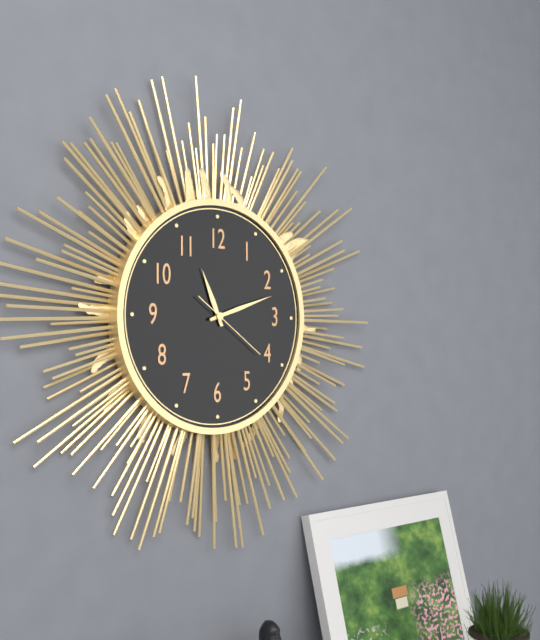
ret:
11:12:21
